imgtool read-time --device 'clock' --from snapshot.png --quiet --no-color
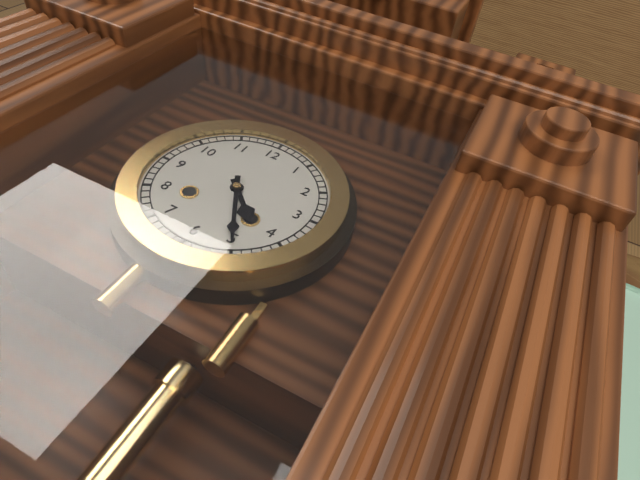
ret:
4:25
